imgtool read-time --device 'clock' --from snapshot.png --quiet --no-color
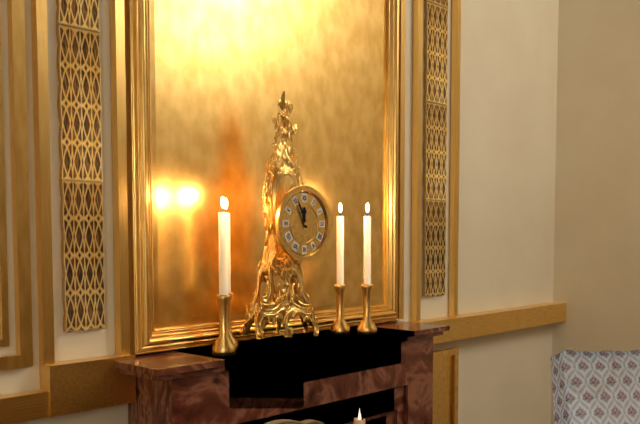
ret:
11:56
